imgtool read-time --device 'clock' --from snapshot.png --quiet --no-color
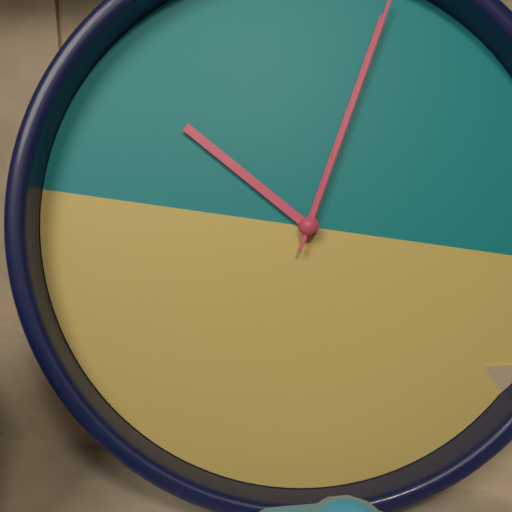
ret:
10:02
